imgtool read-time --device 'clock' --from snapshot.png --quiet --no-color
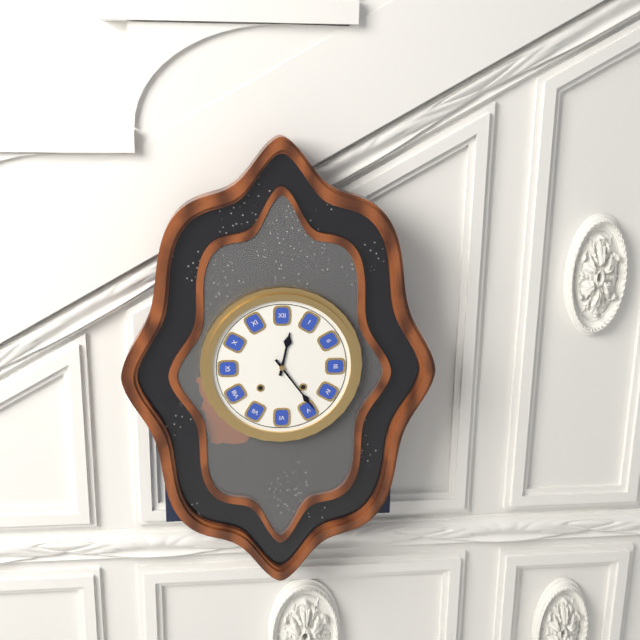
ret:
12:24
